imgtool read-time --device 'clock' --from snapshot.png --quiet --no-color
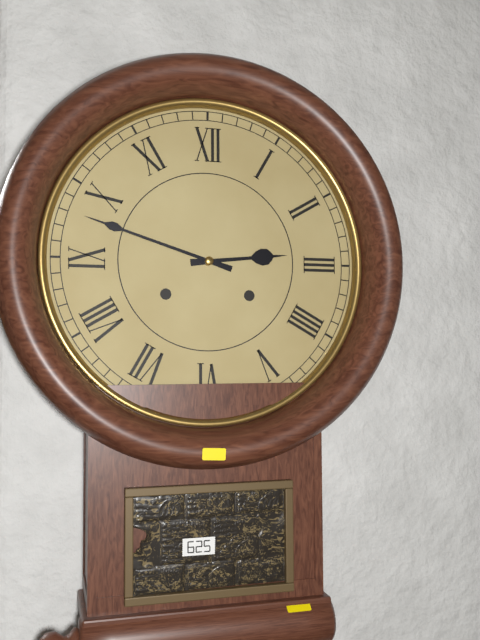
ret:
2:48
